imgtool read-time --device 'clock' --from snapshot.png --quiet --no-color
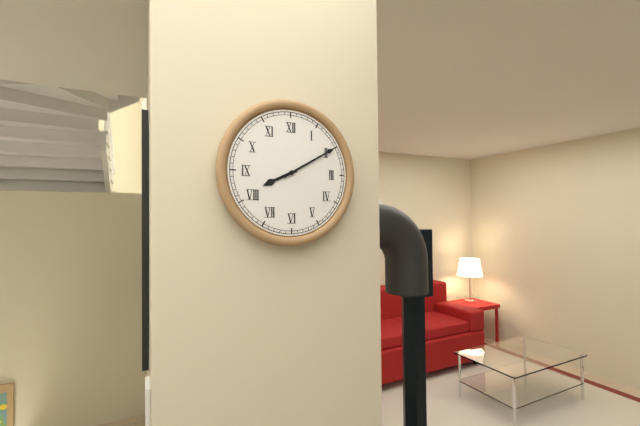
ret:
8:10
